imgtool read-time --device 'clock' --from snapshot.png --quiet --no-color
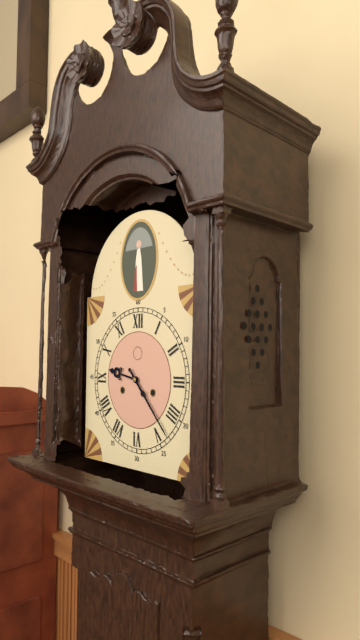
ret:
9:23
